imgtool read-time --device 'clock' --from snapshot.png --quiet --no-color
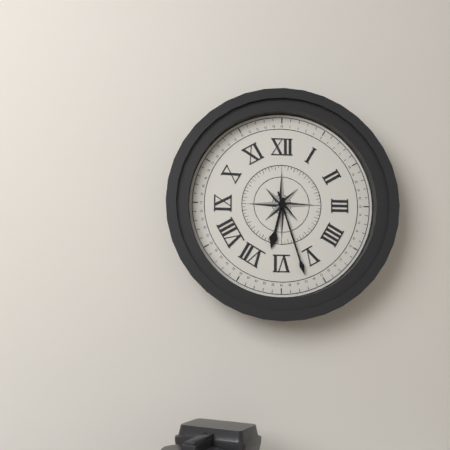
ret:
6:27
